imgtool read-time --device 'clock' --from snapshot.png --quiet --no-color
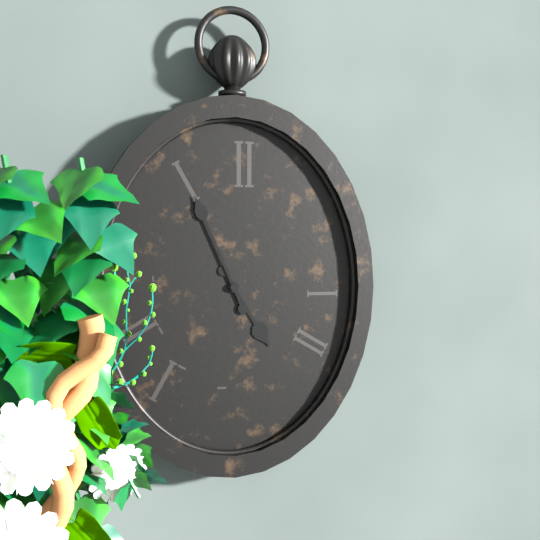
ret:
4:56
